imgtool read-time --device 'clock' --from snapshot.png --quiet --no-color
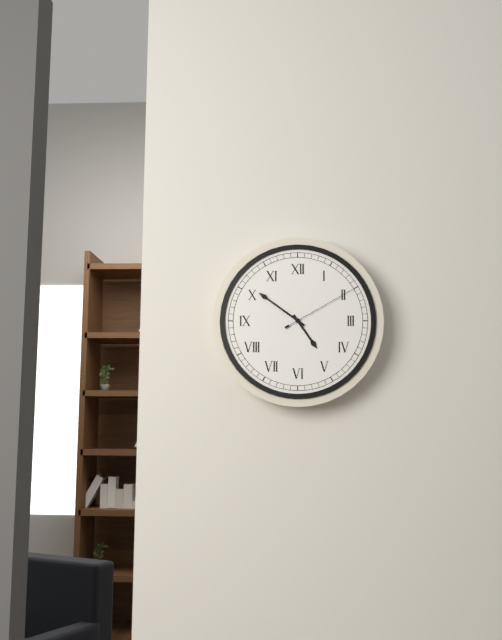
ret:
4:51:10
